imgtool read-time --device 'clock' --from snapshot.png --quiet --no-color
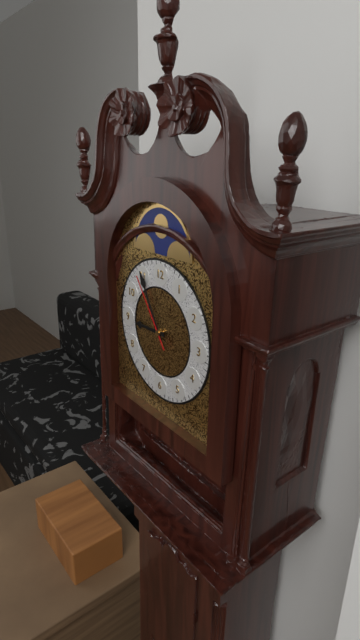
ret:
8:55:54
